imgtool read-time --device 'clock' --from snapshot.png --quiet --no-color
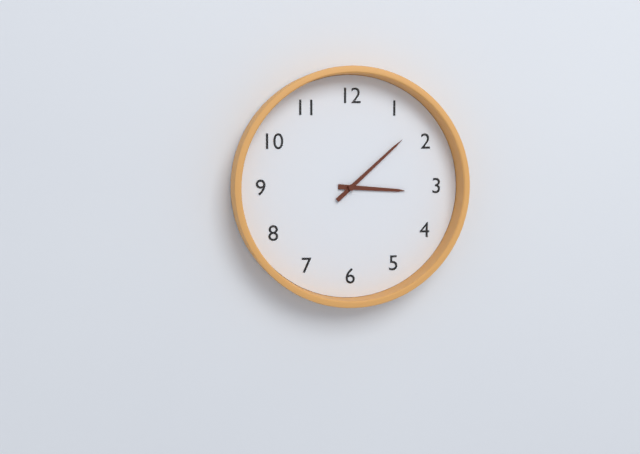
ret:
3:08
